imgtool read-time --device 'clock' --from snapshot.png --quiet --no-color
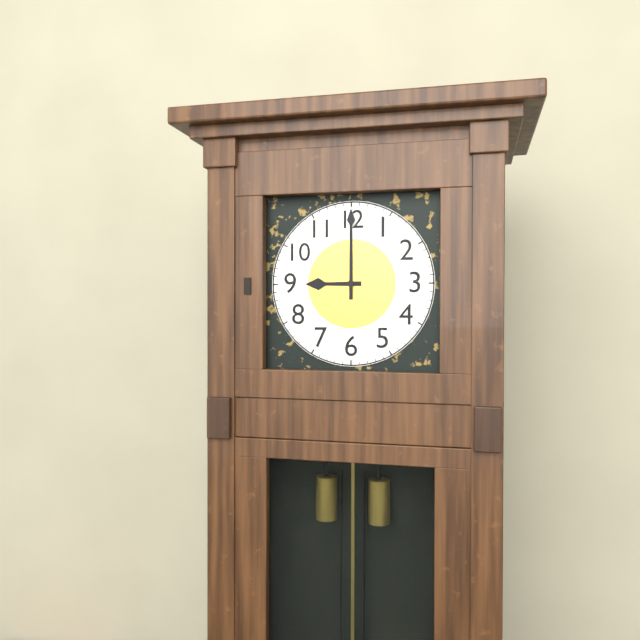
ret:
9:00
